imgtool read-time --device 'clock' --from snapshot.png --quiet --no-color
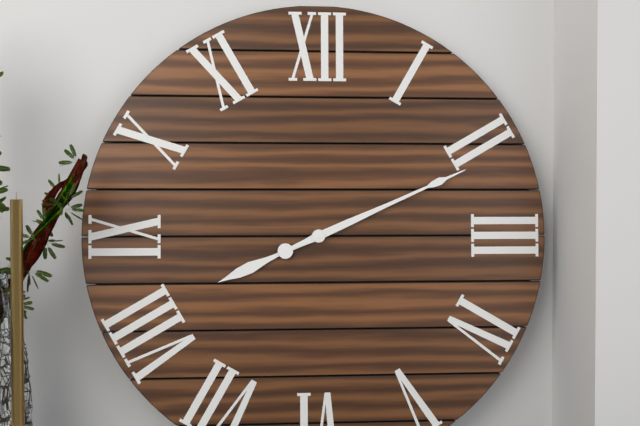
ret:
8:11
